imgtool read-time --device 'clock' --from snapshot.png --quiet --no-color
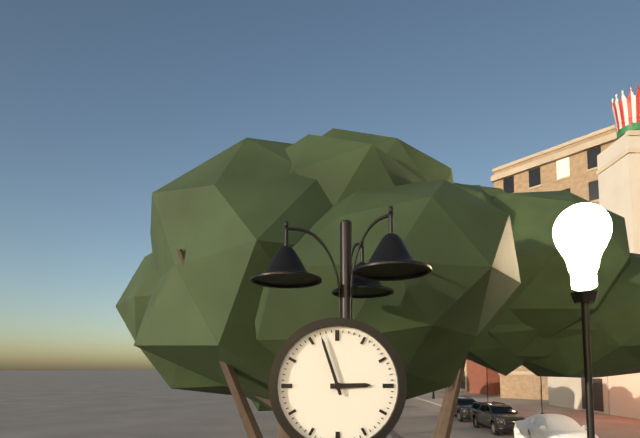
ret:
2:57
